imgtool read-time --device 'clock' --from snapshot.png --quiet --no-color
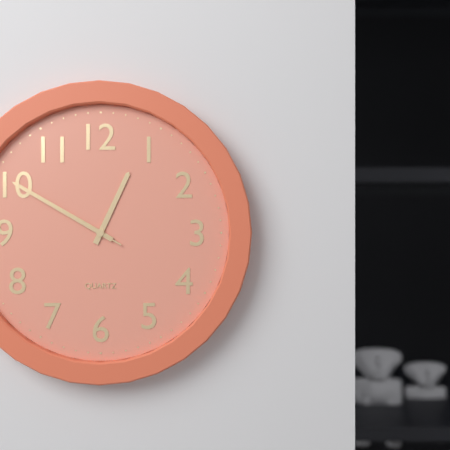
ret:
12:50:50
